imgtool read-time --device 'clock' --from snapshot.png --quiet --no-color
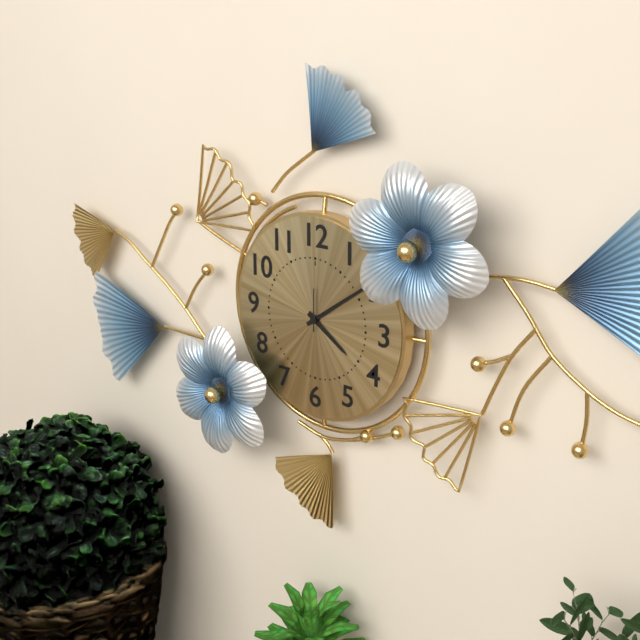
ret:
4:09
